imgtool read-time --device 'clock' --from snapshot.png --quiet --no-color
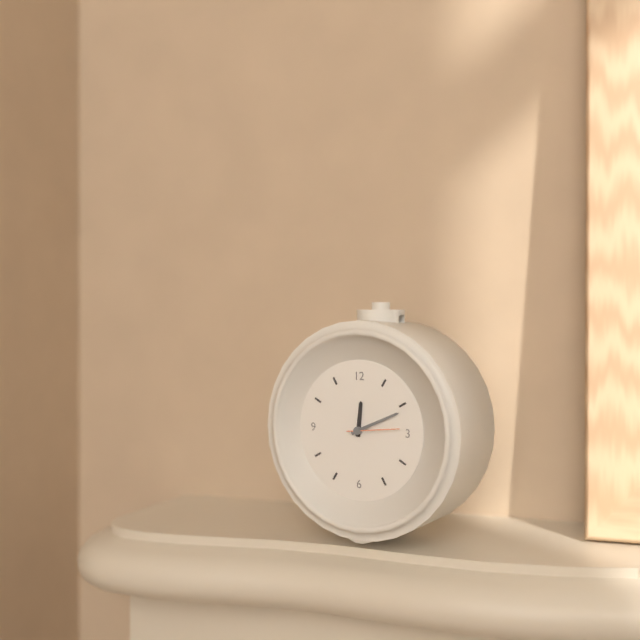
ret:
12:11:14
